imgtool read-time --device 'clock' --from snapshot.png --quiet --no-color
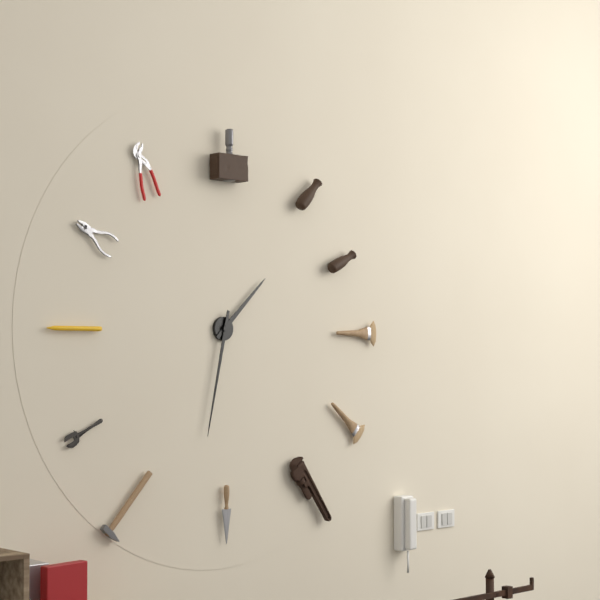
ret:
1:32
